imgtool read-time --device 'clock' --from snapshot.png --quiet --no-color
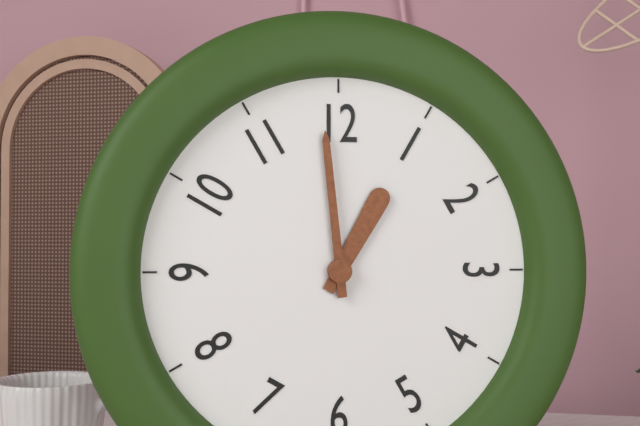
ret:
12:59
